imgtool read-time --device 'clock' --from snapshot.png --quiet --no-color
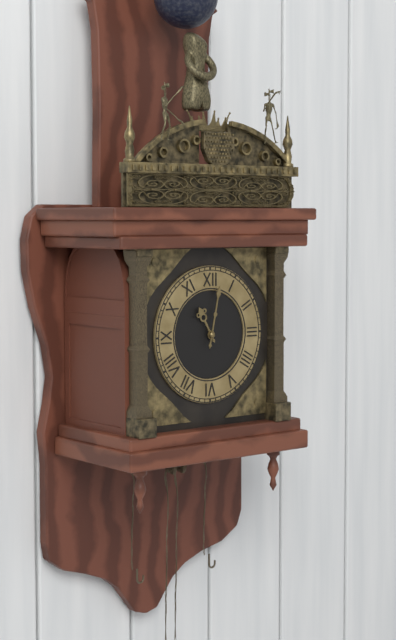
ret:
11:02
